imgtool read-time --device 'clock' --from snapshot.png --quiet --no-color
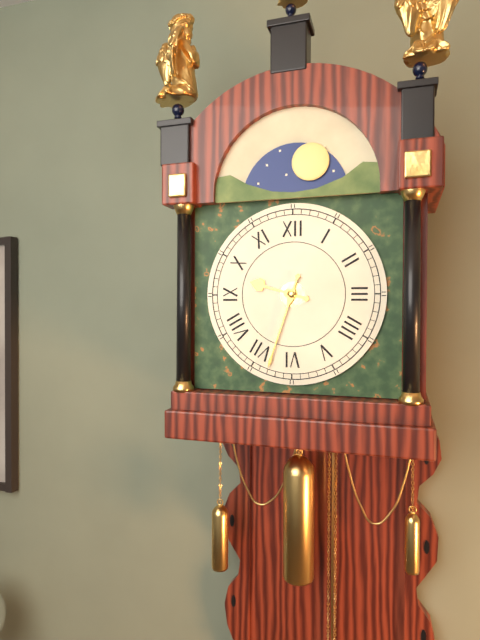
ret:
9:33
